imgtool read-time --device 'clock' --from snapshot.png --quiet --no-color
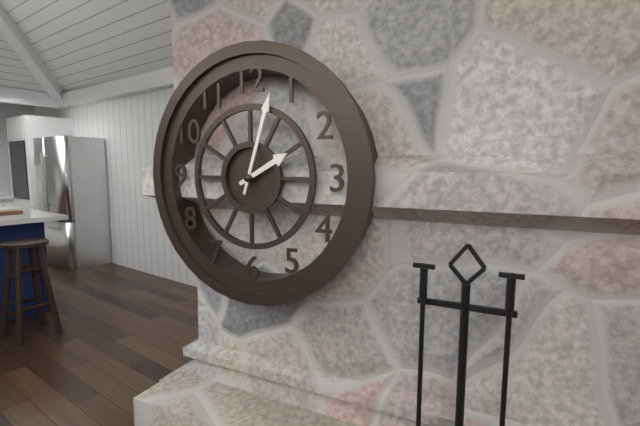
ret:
2:03
